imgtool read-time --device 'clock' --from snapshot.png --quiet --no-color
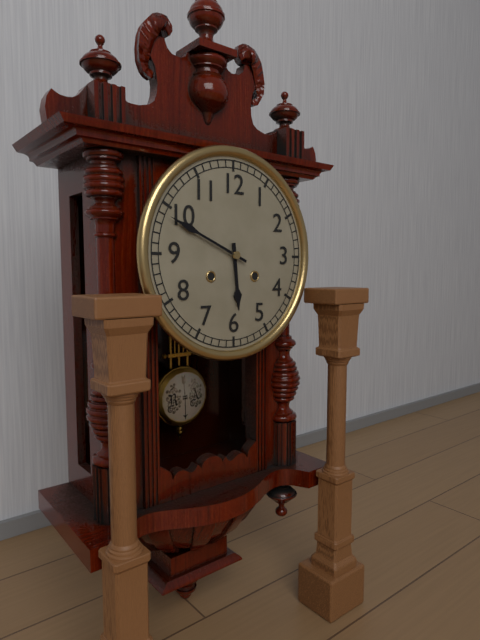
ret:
5:49
